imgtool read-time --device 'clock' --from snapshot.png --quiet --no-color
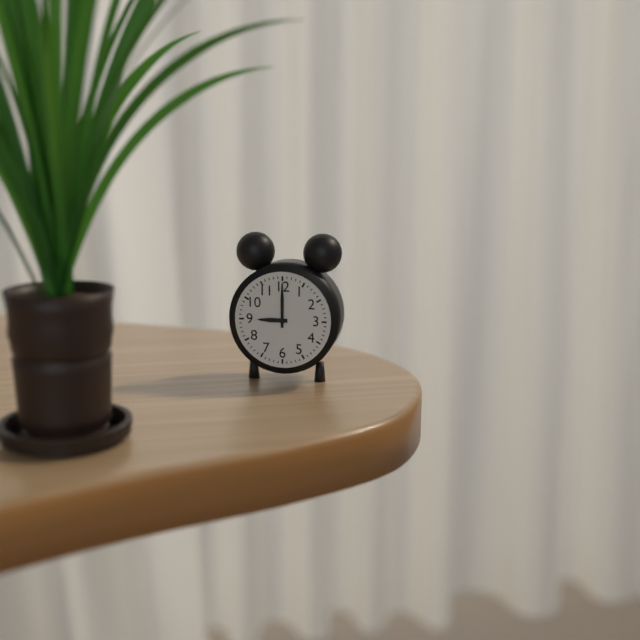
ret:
9:00
